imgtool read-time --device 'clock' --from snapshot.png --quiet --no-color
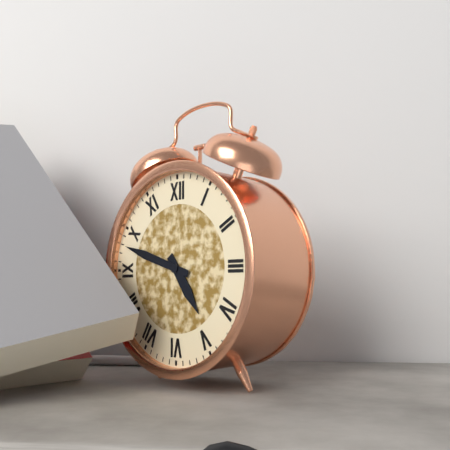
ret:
4:48
